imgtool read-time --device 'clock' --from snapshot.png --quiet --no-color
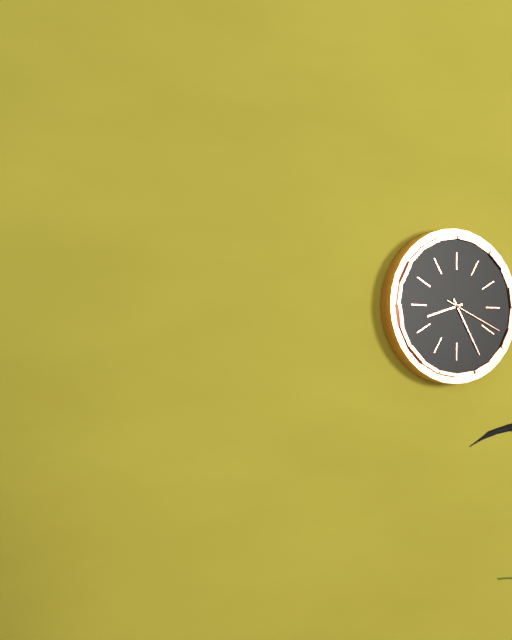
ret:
8:25:19
